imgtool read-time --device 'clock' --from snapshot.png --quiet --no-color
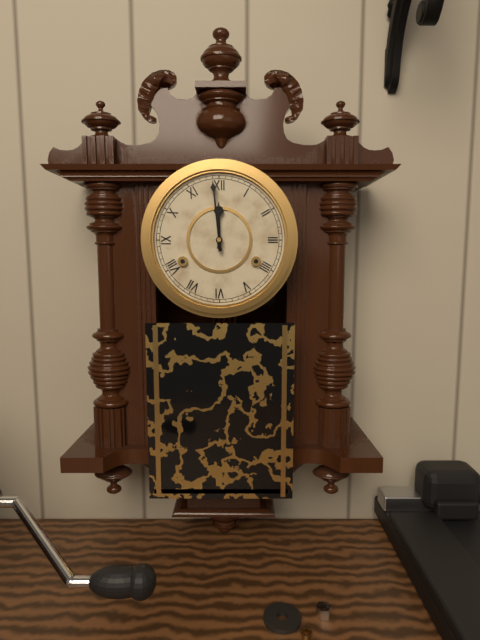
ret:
11:59
